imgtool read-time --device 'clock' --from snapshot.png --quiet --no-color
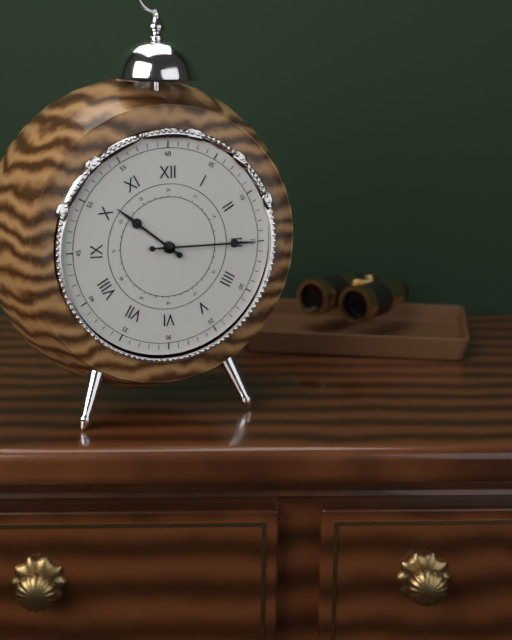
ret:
10:15
